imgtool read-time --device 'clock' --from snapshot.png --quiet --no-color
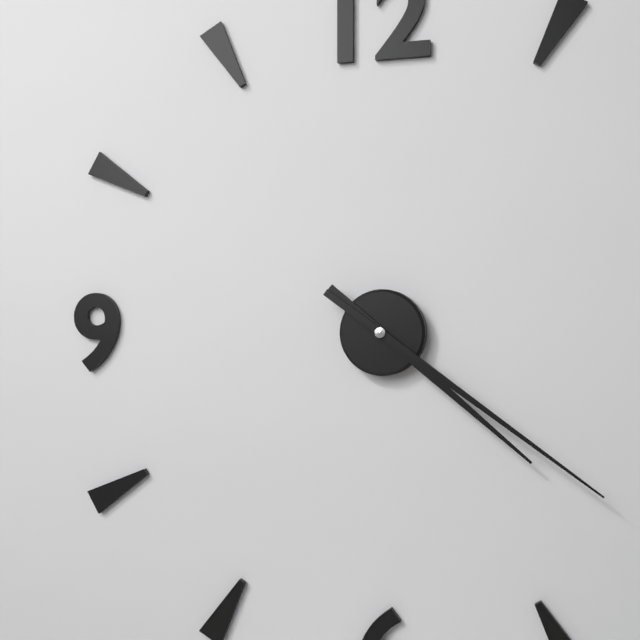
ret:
4:21
